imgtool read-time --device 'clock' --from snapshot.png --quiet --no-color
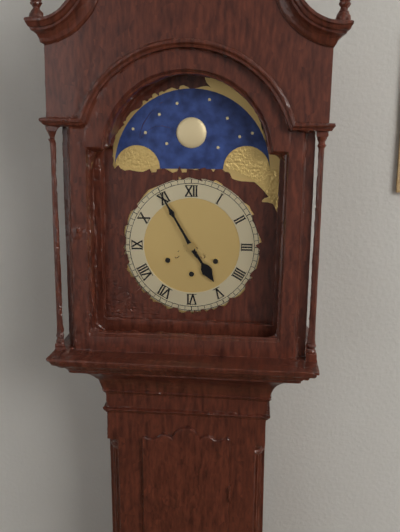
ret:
4:55
